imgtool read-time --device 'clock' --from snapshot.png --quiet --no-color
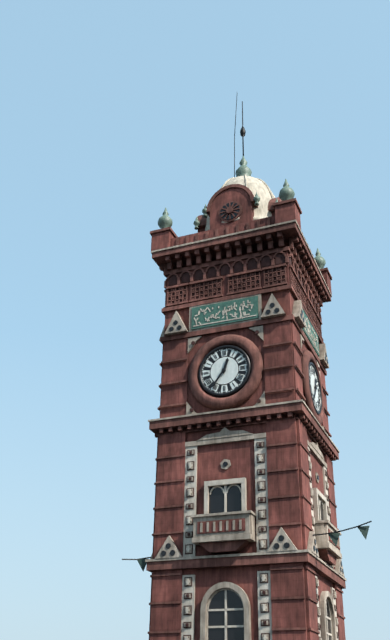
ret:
12:36
